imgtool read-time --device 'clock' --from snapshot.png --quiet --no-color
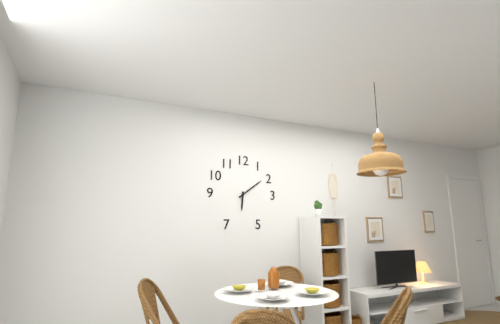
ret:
6:09
